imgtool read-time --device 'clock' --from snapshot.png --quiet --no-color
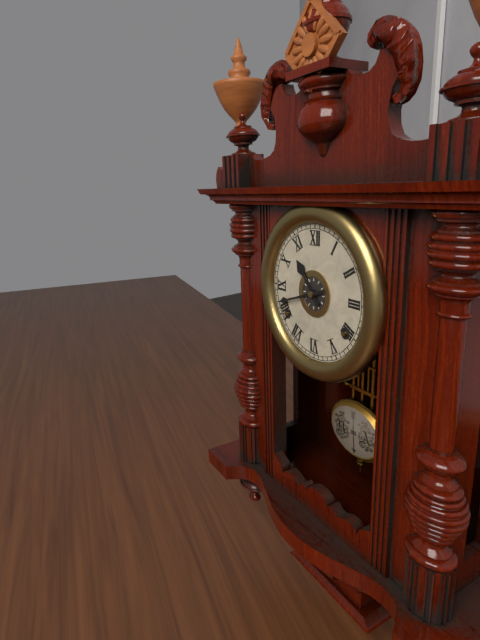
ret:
10:42
